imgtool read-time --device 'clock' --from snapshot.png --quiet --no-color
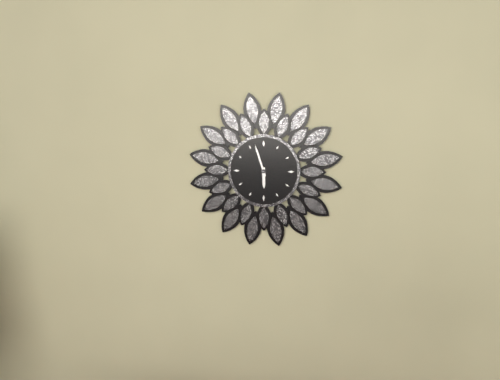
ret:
5:57
